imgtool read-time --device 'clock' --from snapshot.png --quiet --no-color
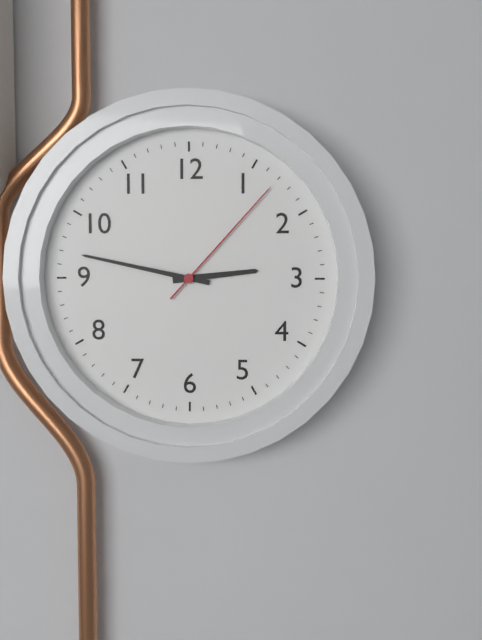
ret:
2:47:07
